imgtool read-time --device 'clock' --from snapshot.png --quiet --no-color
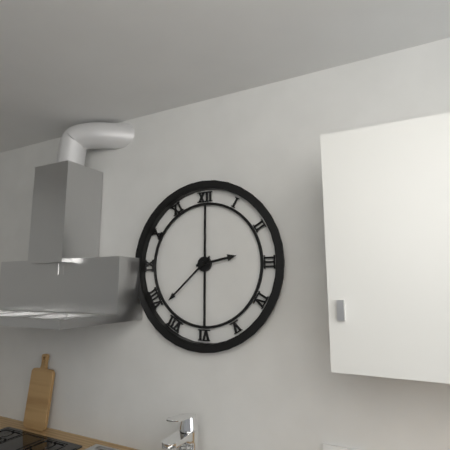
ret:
2:38
